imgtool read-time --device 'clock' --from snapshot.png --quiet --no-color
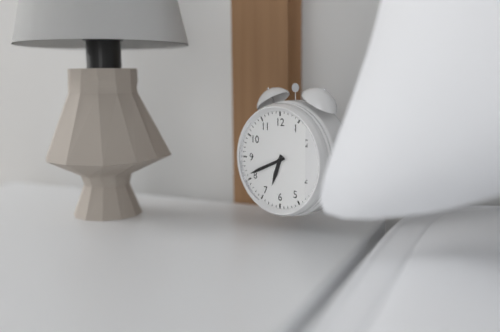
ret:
6:41
